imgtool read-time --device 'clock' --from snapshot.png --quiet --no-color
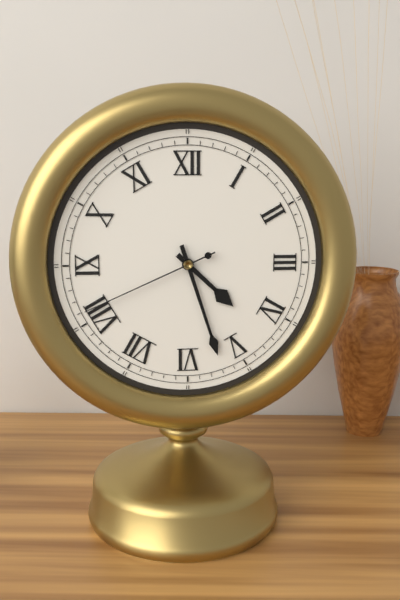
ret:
4:27:41
